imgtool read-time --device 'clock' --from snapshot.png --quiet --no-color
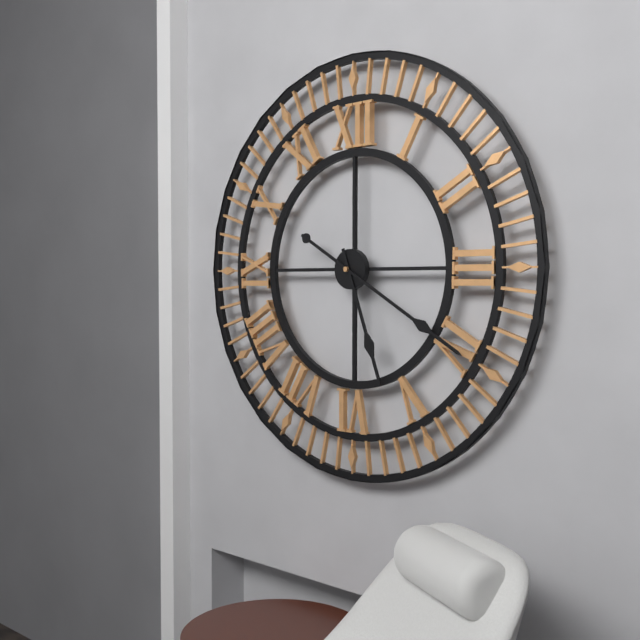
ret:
5:20
